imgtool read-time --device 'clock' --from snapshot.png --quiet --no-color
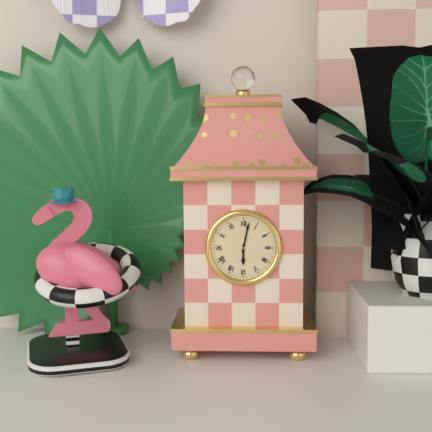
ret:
6:02
